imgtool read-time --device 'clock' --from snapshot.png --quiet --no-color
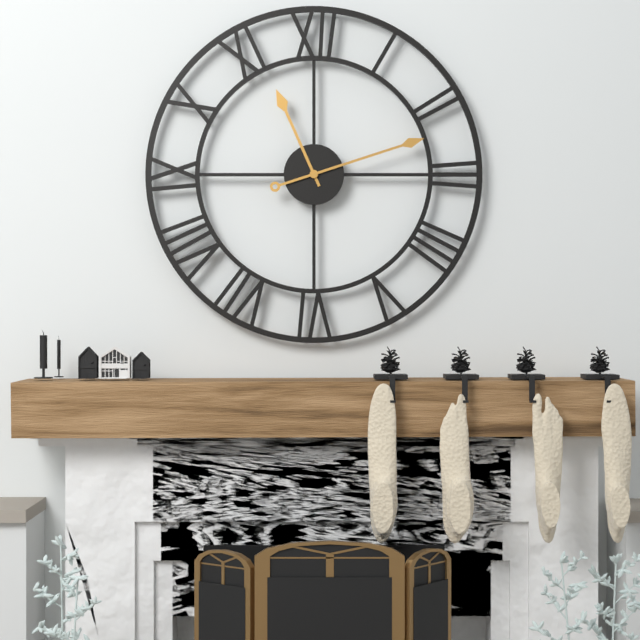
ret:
11:12
